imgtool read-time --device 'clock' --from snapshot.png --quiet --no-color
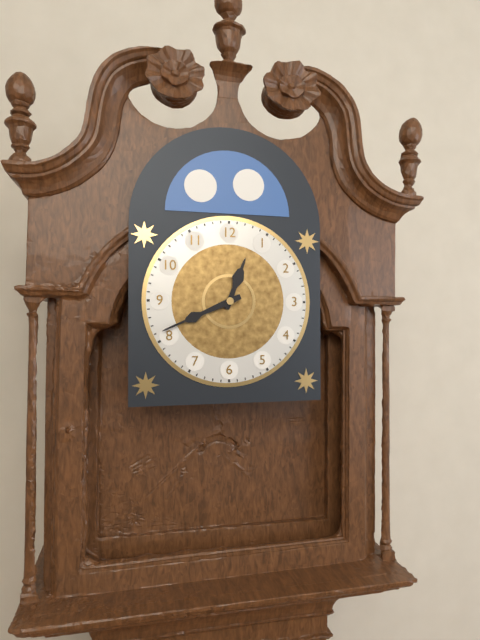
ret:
12:41
